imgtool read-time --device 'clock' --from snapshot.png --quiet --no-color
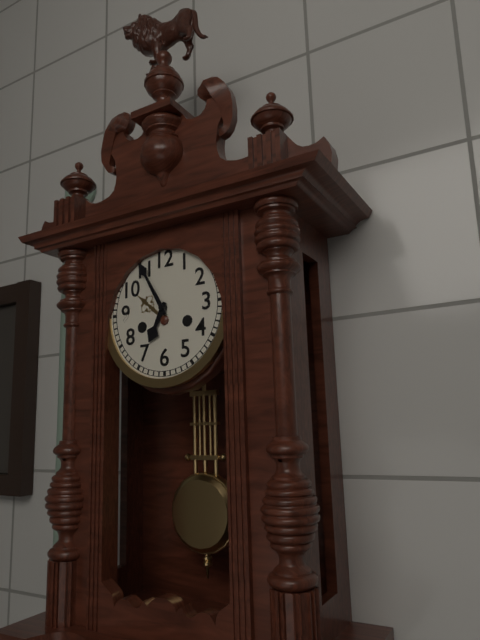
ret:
6:55
